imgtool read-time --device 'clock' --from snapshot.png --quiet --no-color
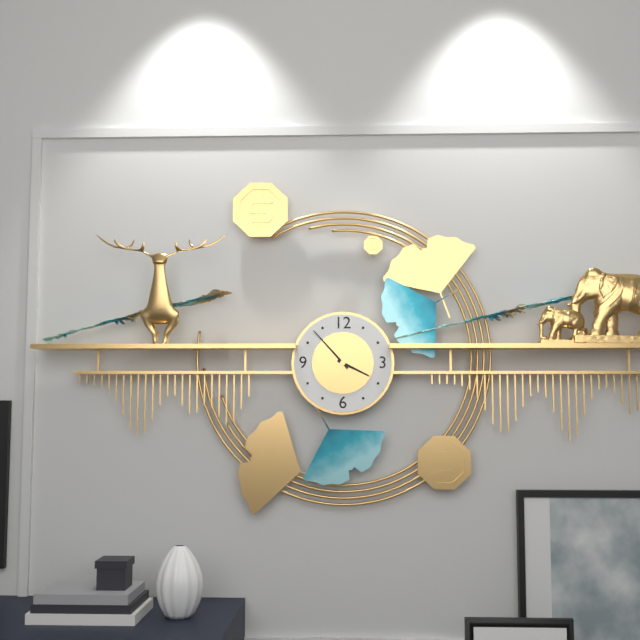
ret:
3:53
